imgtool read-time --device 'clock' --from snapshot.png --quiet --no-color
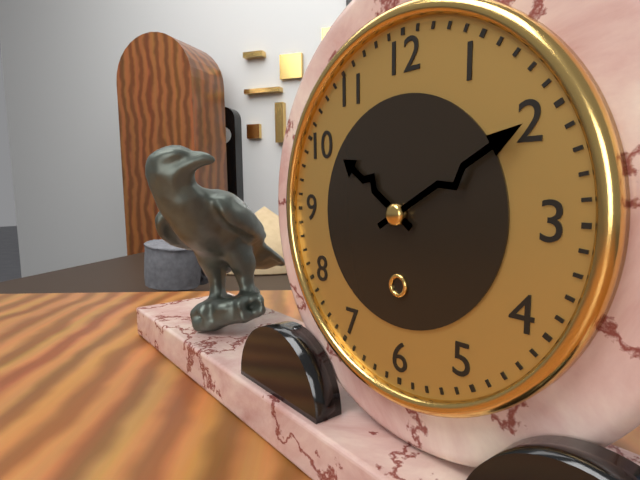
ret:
10:10
